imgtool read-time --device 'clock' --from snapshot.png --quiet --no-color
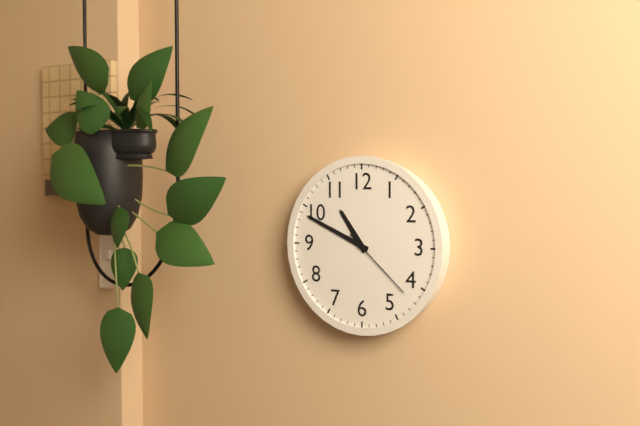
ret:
10:49:22
